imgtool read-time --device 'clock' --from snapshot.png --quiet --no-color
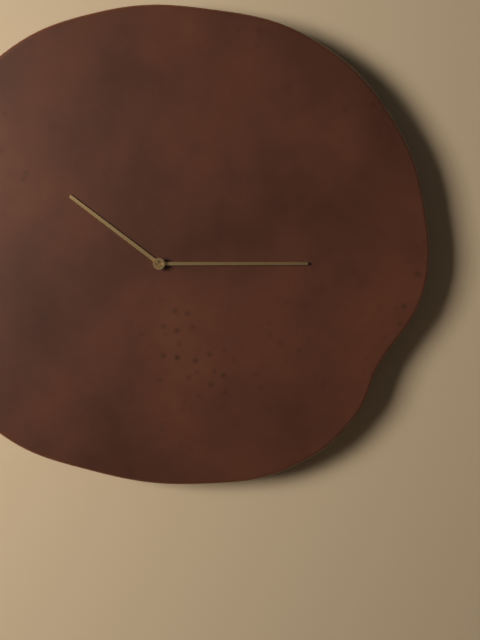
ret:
10:15
